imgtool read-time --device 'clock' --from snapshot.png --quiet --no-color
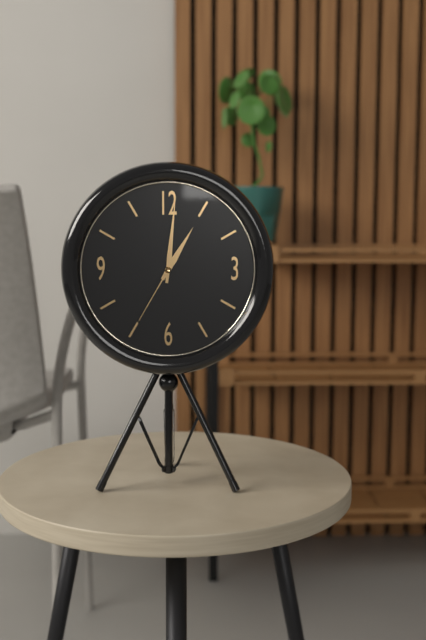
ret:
1:01:35
